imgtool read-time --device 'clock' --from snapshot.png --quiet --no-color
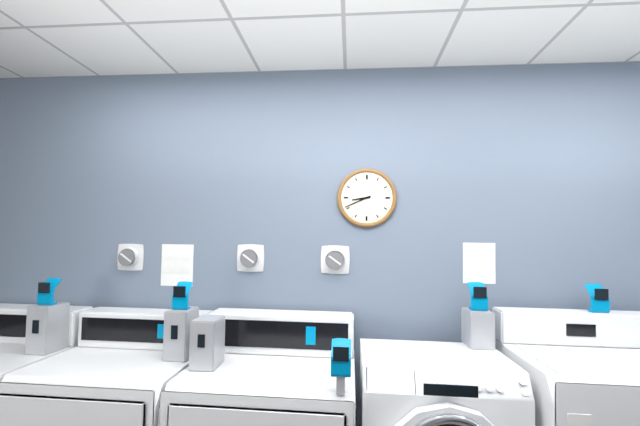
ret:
8:41
